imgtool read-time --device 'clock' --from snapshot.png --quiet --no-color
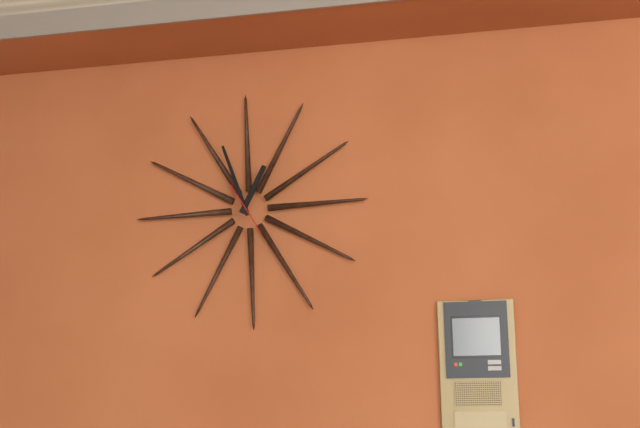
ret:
12:57
